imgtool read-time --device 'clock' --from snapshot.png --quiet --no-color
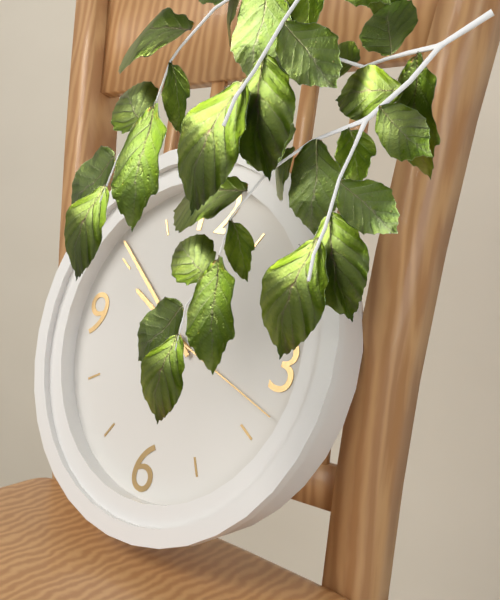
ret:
9:51:18
